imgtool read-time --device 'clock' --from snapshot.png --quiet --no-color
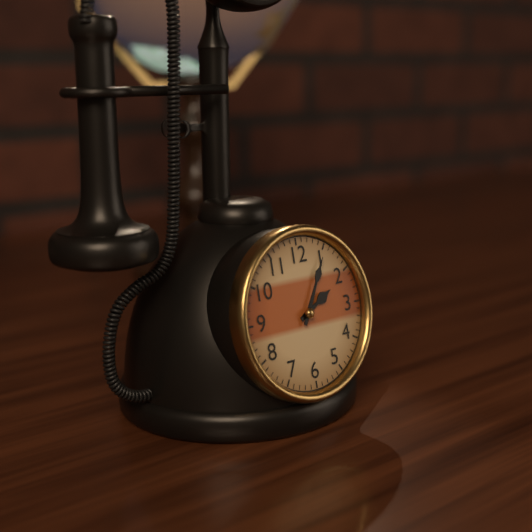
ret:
2:05
